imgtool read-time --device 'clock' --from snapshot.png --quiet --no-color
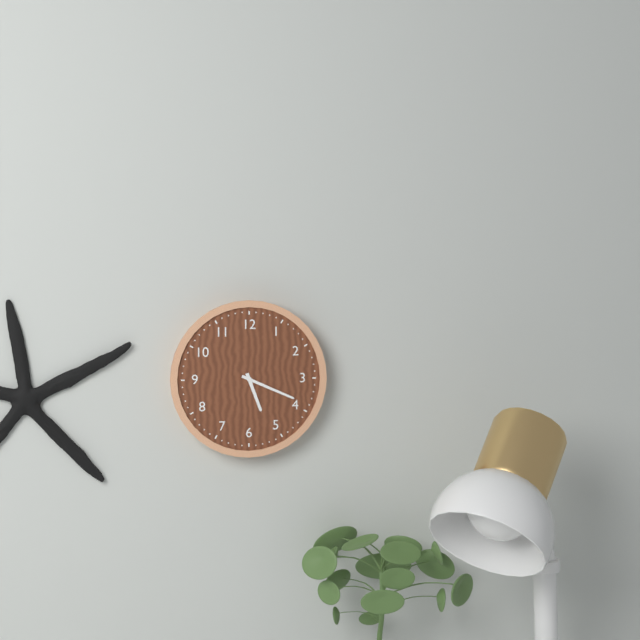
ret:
5:19
